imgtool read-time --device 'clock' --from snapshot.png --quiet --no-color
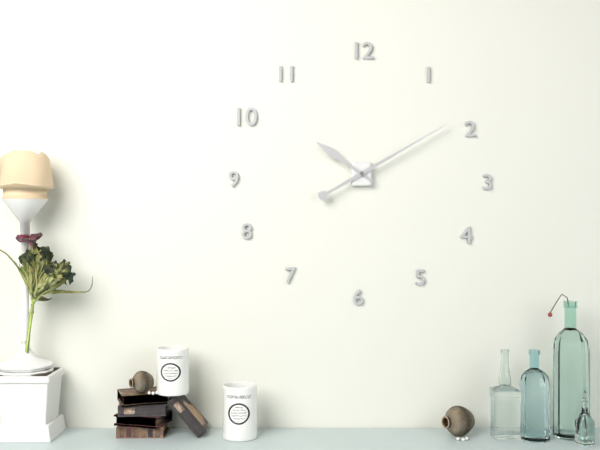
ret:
10:10
